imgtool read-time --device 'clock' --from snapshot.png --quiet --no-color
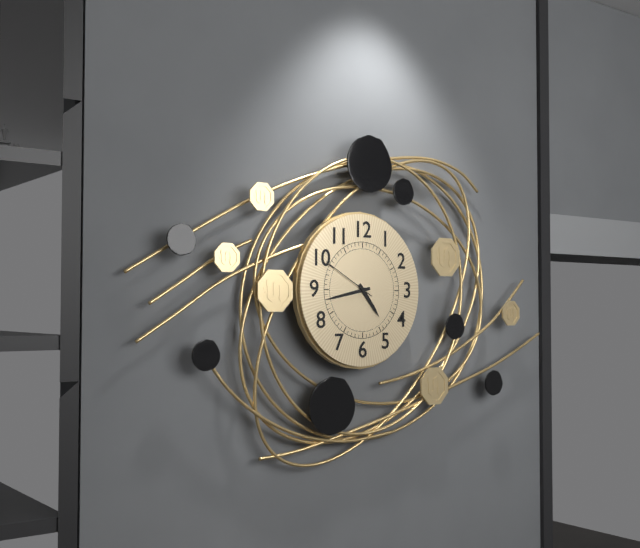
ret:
4:43:50
